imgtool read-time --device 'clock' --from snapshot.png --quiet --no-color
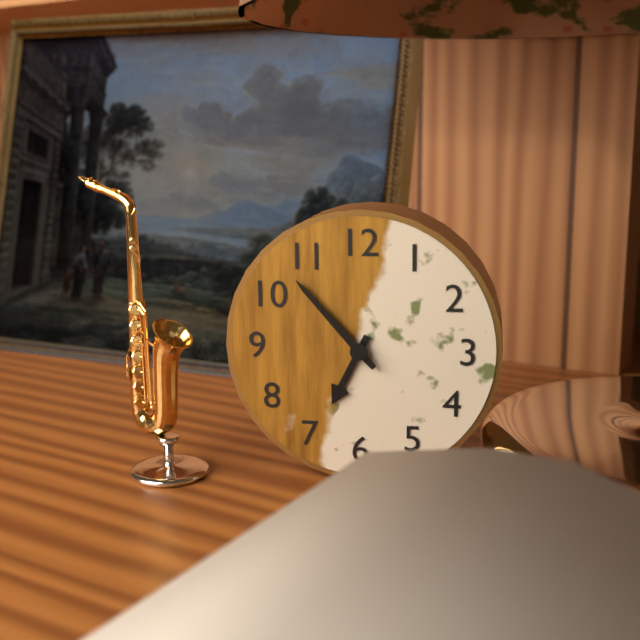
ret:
6:53
